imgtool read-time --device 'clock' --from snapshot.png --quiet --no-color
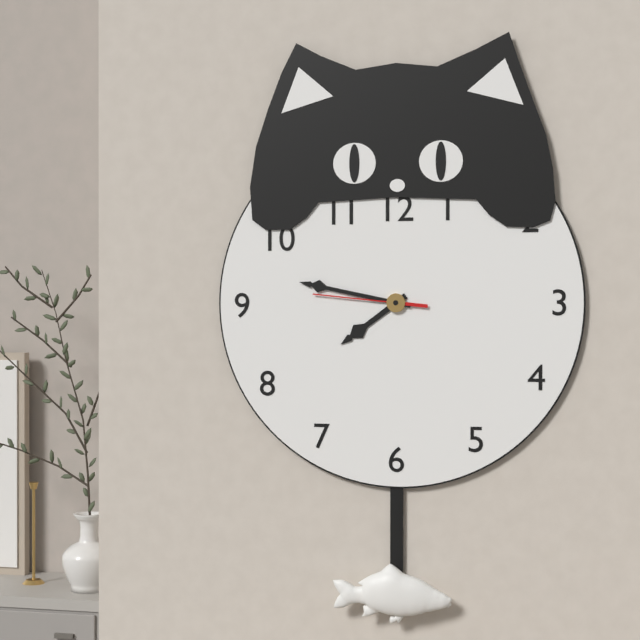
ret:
7:47:46
